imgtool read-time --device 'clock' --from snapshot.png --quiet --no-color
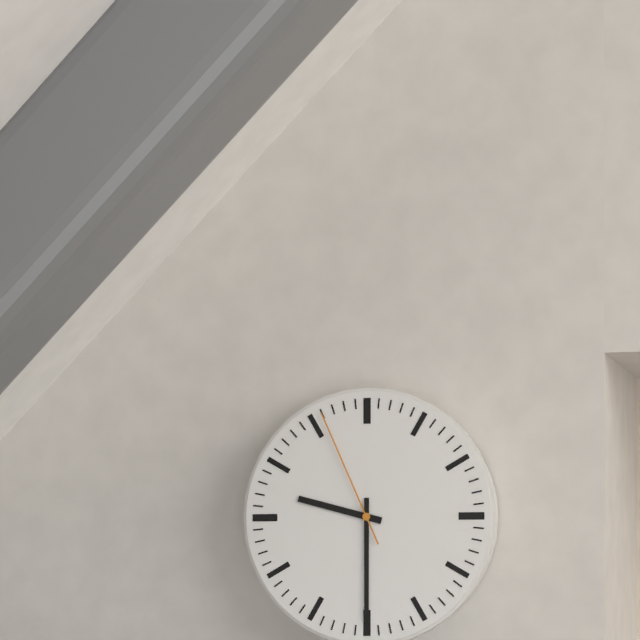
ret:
9:30:56
